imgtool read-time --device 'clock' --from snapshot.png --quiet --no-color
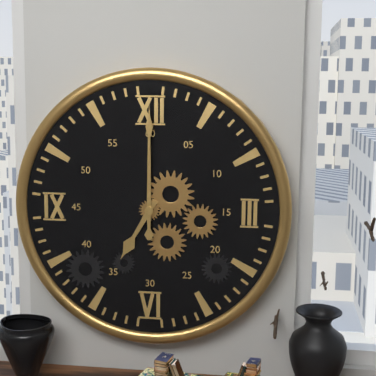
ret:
7:00
